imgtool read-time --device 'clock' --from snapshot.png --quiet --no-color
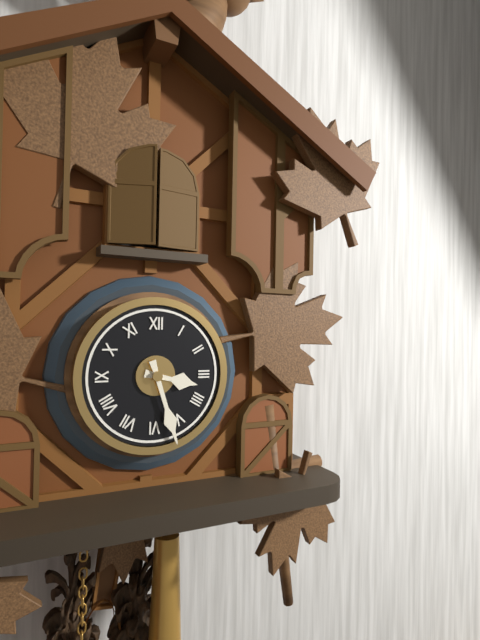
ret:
3:27
